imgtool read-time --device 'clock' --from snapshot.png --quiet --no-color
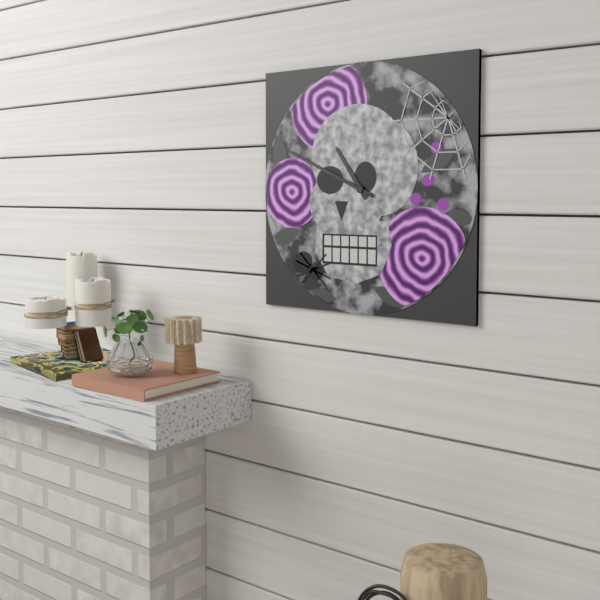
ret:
10:49
